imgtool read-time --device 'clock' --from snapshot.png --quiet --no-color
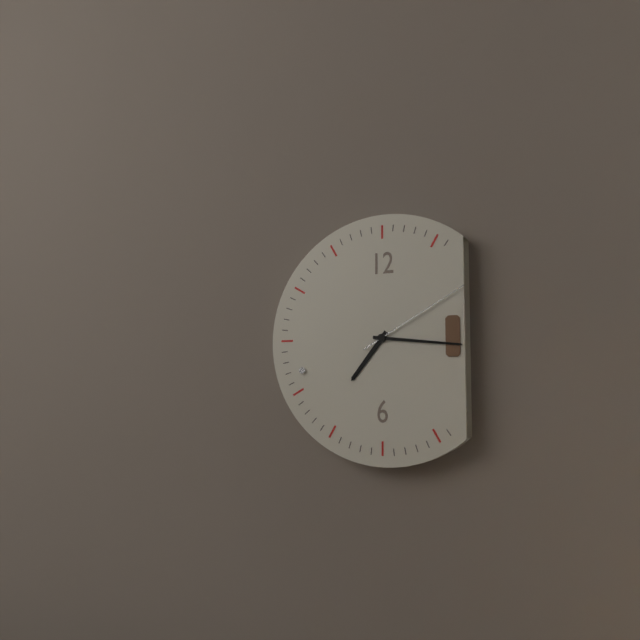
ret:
7:16:10
